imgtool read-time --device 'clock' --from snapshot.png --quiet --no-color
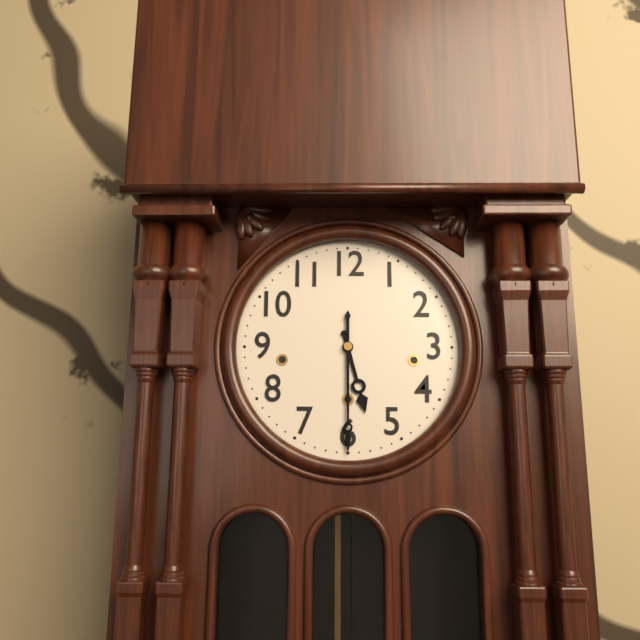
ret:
5:30
